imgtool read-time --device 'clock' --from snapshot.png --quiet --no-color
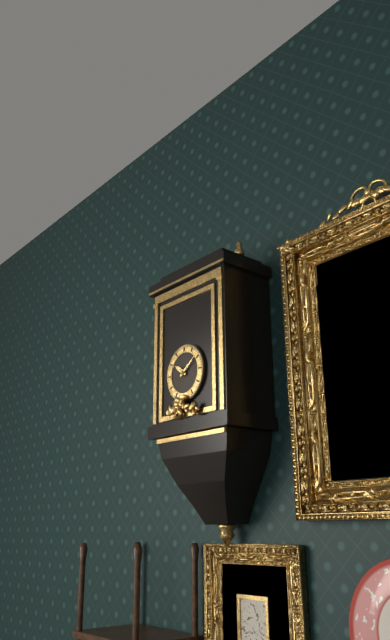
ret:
10:09
